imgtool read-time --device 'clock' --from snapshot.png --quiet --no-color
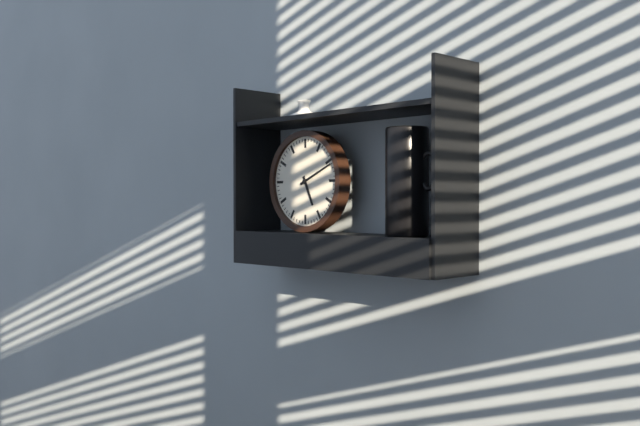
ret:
5:11
